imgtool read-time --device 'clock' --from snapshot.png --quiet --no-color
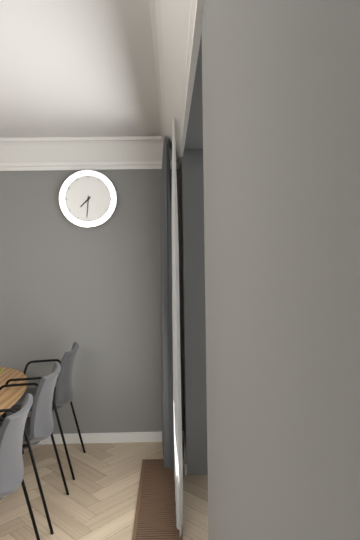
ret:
7:31
